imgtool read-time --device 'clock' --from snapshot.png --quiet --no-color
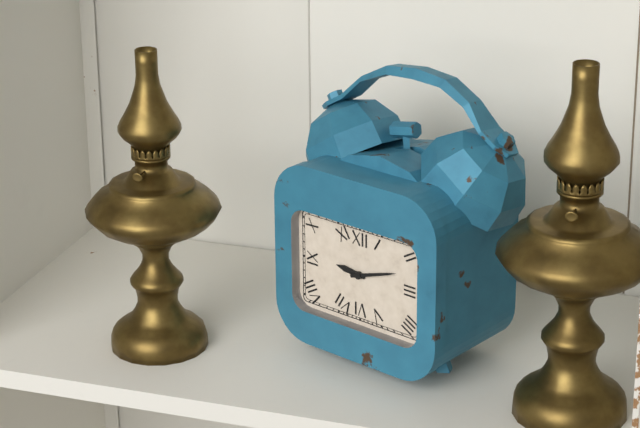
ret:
9:12
